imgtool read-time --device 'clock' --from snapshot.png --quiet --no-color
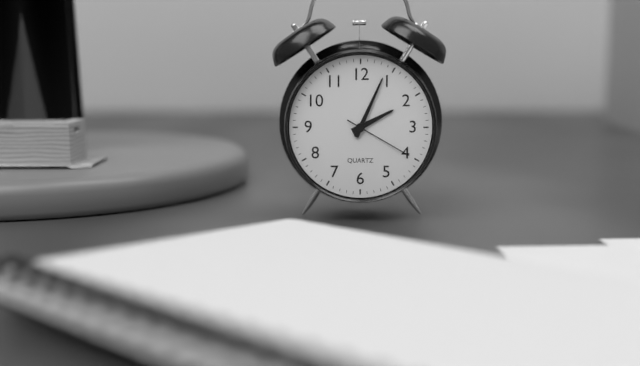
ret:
2:04:20
